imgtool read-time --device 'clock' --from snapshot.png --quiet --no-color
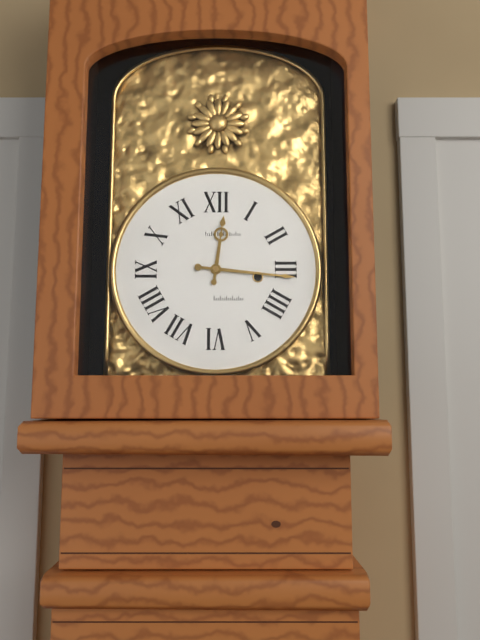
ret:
12:16
